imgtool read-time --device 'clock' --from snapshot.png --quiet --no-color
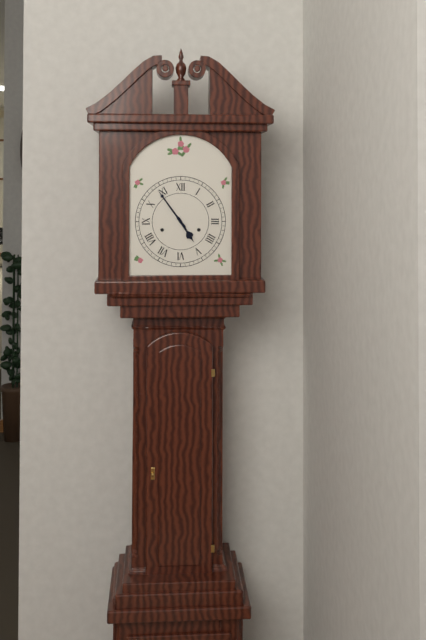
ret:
4:54
